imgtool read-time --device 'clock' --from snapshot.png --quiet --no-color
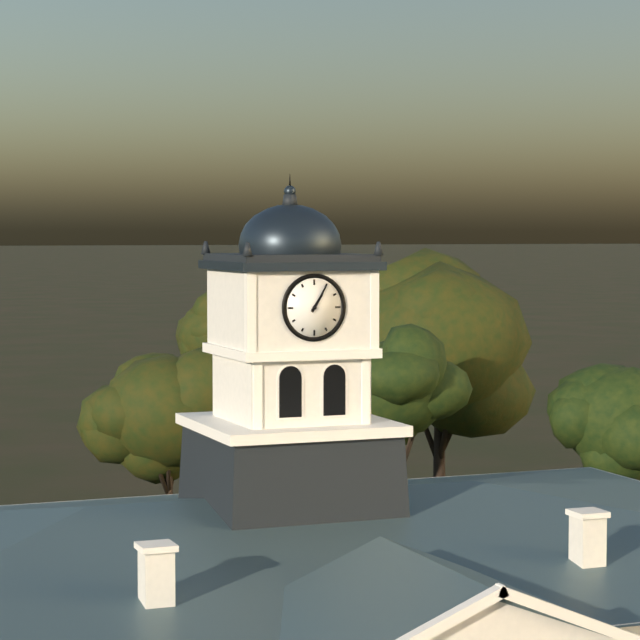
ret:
1:05
